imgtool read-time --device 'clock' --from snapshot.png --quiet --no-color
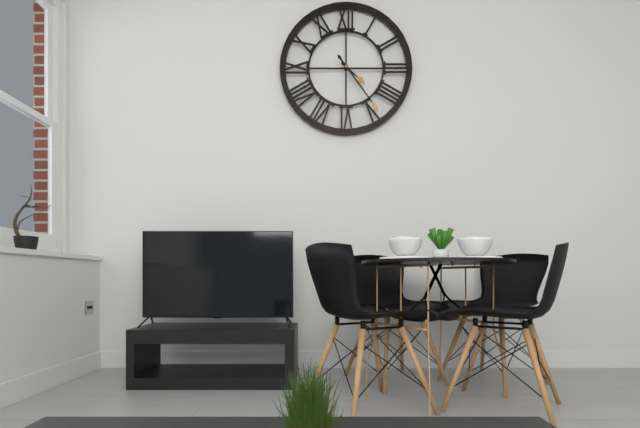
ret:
4:24
